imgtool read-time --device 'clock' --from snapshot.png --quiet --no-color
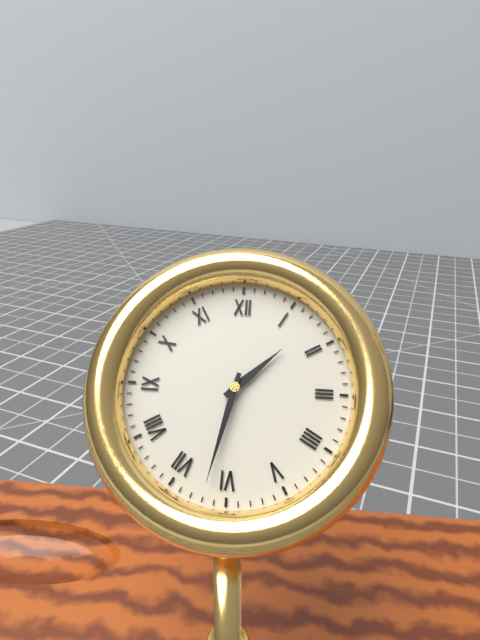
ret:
1:32
